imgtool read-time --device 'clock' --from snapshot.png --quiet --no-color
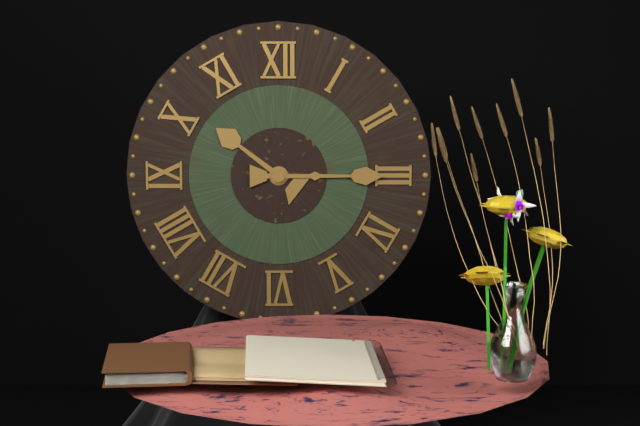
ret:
10:15
